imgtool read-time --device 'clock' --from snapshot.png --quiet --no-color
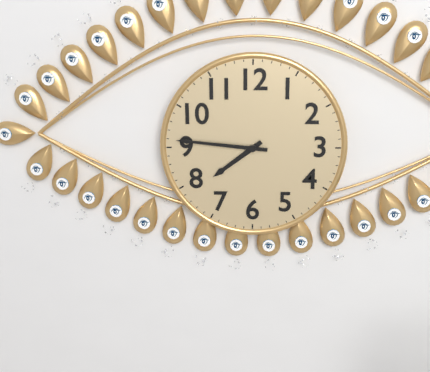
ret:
7:46
